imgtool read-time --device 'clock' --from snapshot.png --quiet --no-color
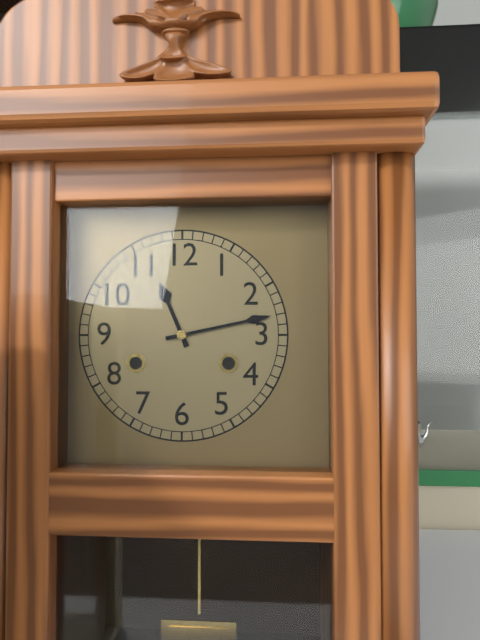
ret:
11:13
